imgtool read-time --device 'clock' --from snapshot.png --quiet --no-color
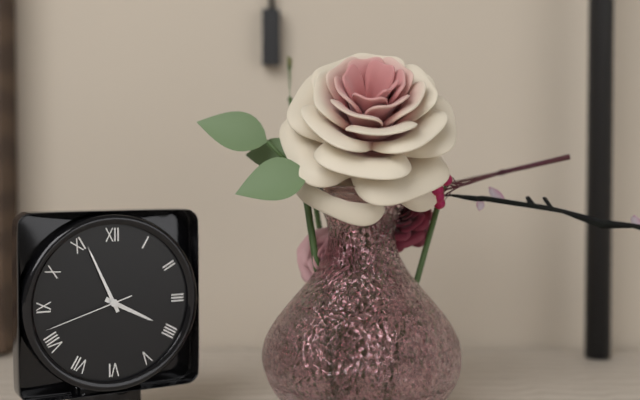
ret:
3:56:42
